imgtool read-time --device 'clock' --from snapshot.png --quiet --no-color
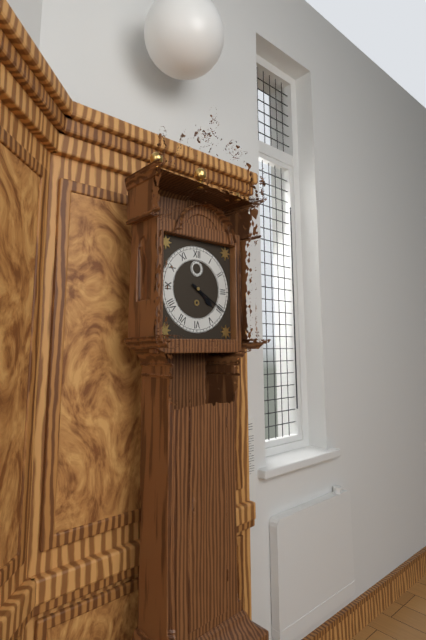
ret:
4:20
